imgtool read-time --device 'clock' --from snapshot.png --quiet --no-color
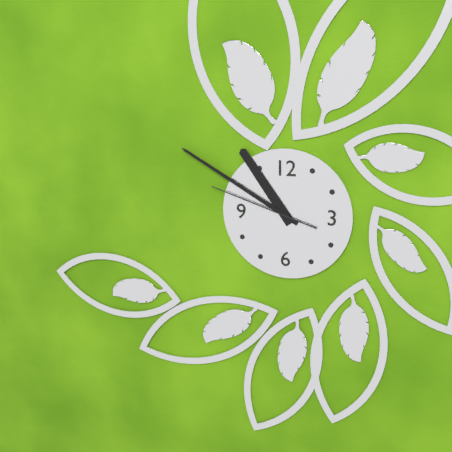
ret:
10:50:48
